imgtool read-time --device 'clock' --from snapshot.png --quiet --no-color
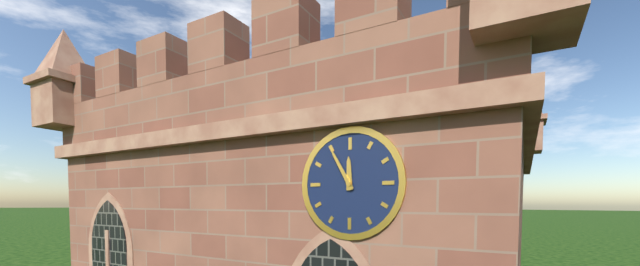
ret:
11:55
